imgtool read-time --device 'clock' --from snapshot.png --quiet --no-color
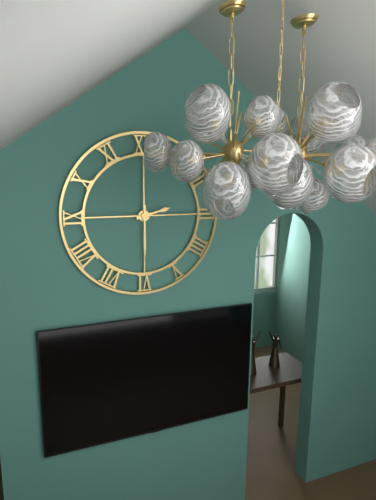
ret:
2:30
